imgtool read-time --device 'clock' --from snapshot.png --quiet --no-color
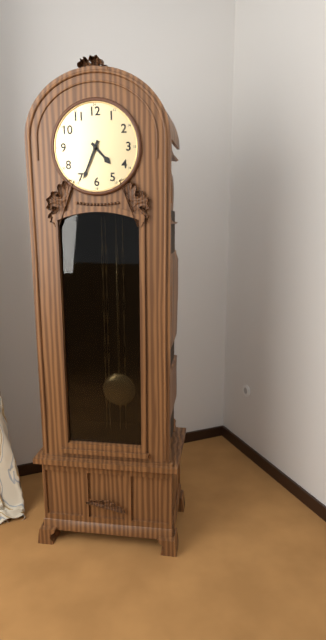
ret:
4:34
